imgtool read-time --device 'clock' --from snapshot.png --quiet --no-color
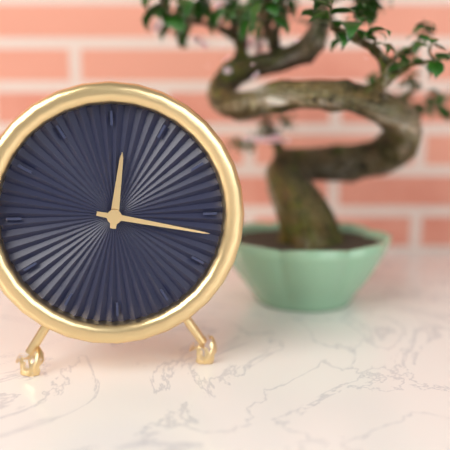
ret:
12:17
